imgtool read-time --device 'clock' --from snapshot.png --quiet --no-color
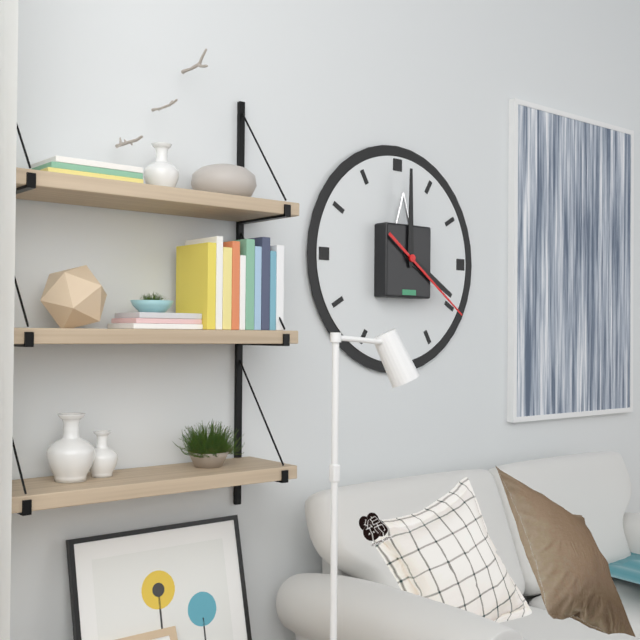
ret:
4:00:21
